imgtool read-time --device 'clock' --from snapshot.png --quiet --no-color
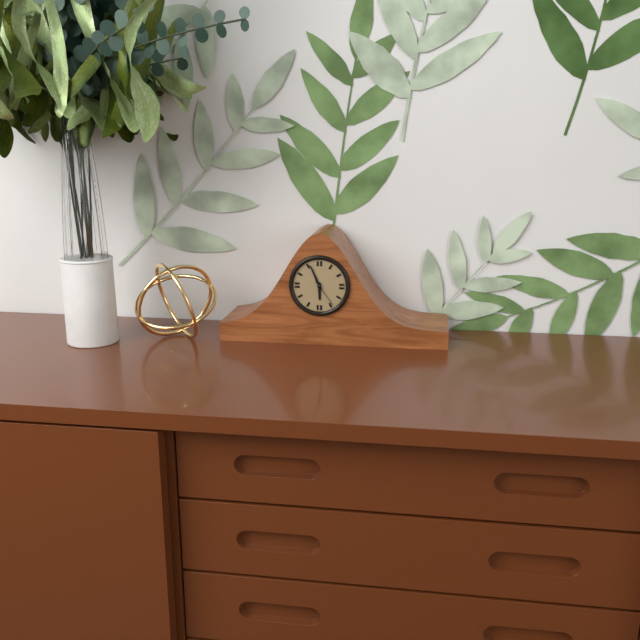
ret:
5:56
